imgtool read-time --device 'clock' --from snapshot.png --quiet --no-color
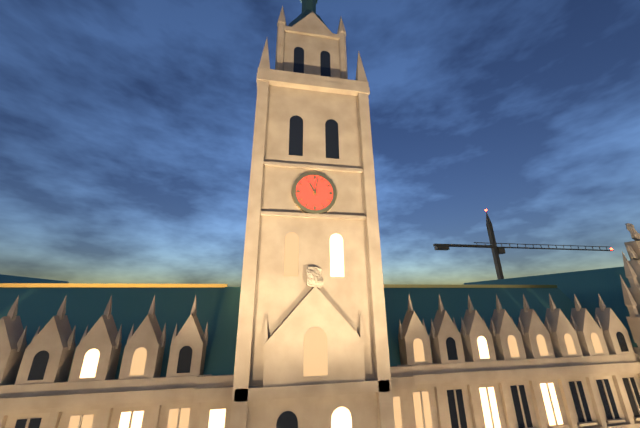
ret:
11:02
